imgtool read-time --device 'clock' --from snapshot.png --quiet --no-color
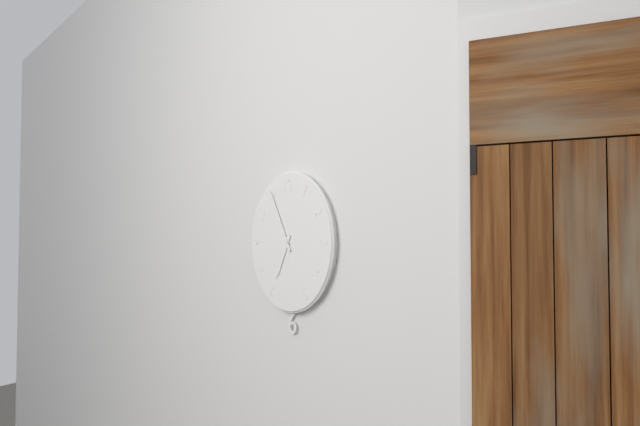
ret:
6:55
